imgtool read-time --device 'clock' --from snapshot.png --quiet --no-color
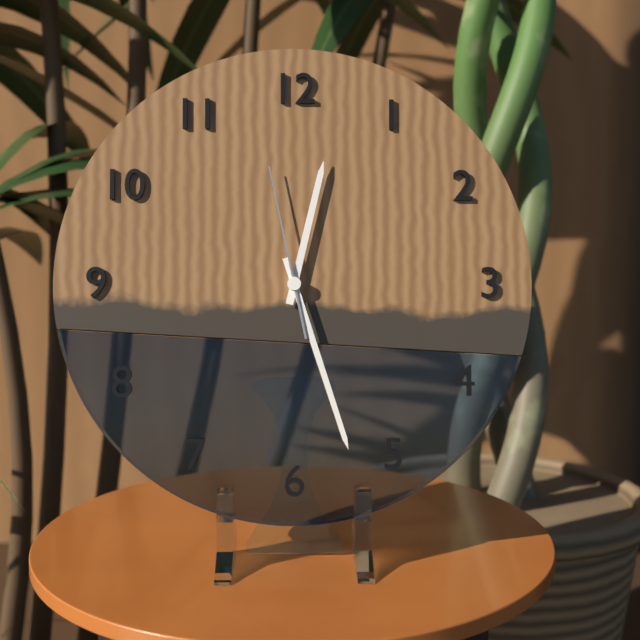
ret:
12:27:58
